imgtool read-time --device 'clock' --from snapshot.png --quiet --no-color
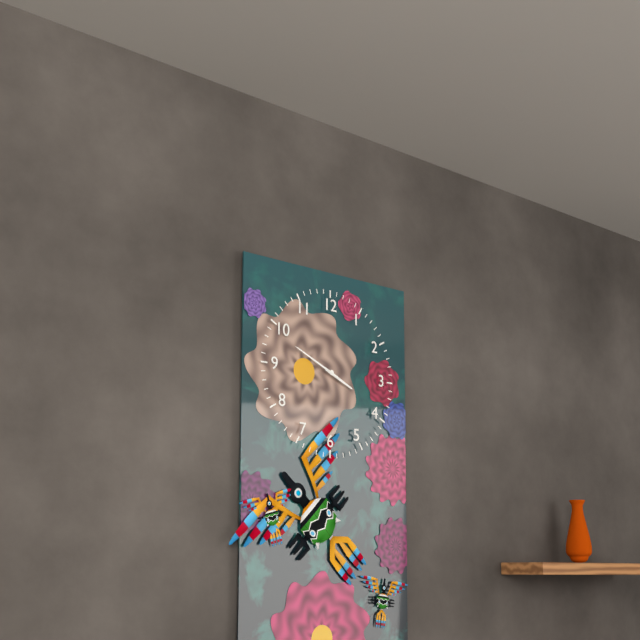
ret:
3:49
